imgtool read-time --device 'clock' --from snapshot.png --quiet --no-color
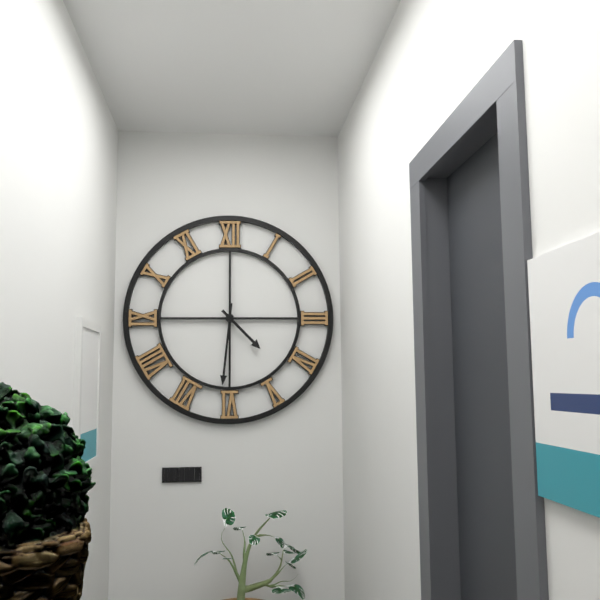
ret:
4:31
